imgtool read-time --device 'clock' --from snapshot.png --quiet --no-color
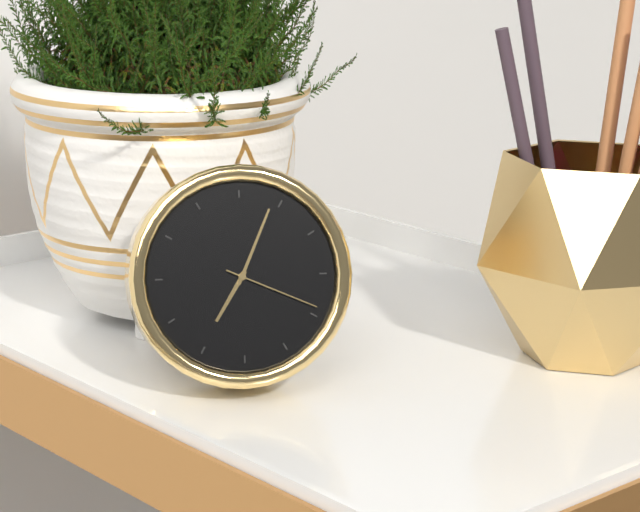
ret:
7:04:19
